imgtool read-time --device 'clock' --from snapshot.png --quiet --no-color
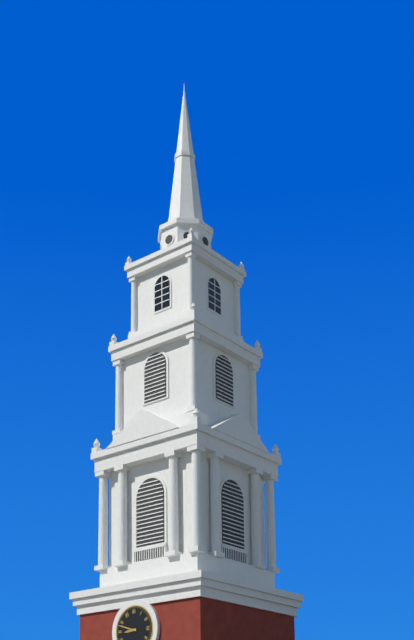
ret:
8:48
